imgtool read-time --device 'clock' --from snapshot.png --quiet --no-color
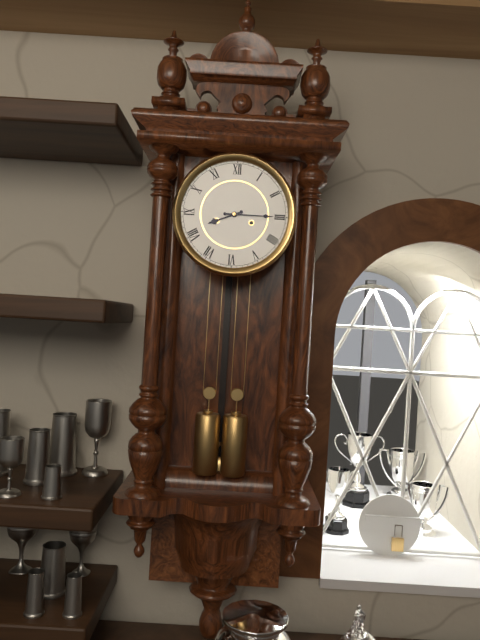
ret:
8:15
